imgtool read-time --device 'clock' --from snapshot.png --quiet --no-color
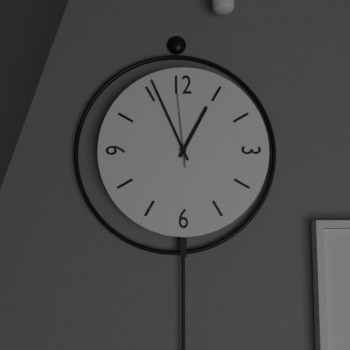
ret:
12:56:59
